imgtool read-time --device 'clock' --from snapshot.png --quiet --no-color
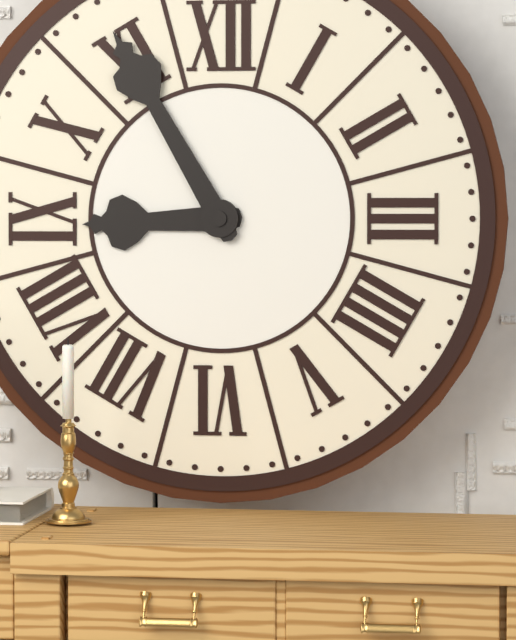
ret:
8:55
